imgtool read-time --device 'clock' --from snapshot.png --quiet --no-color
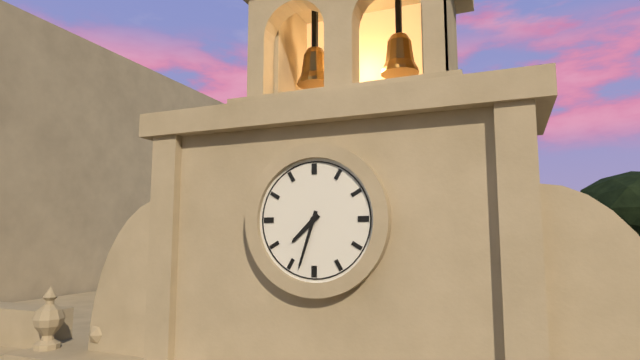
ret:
7:33
